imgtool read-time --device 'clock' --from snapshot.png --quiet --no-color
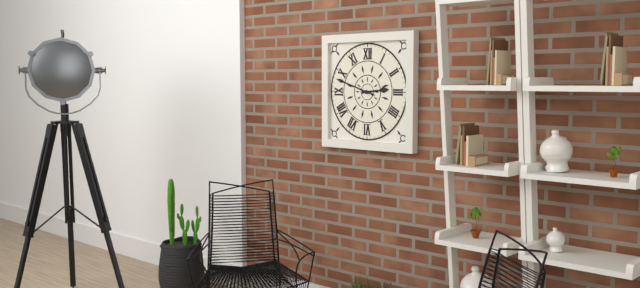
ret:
2:48
